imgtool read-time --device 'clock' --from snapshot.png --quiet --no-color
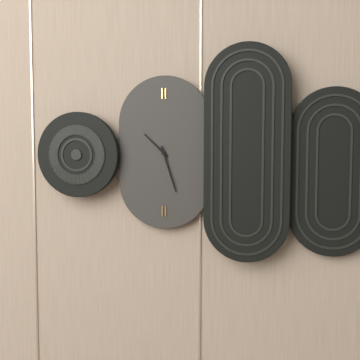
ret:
10:27
